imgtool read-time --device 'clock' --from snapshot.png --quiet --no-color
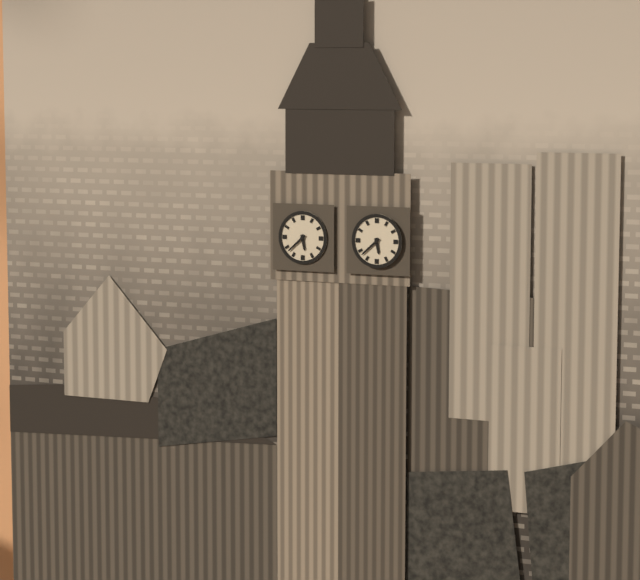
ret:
5:38
